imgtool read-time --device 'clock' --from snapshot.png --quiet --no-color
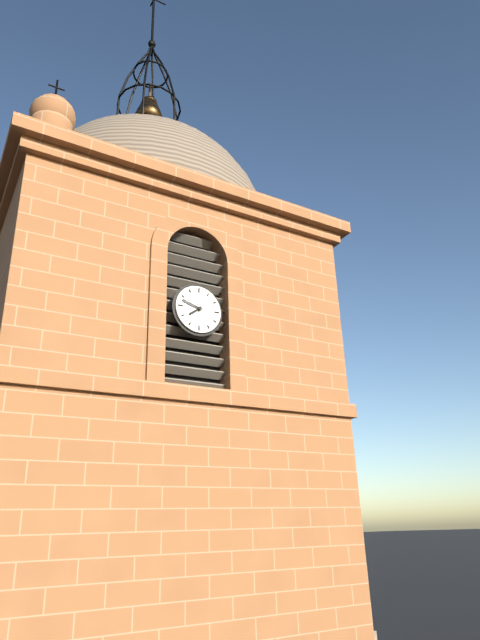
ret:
7:48
